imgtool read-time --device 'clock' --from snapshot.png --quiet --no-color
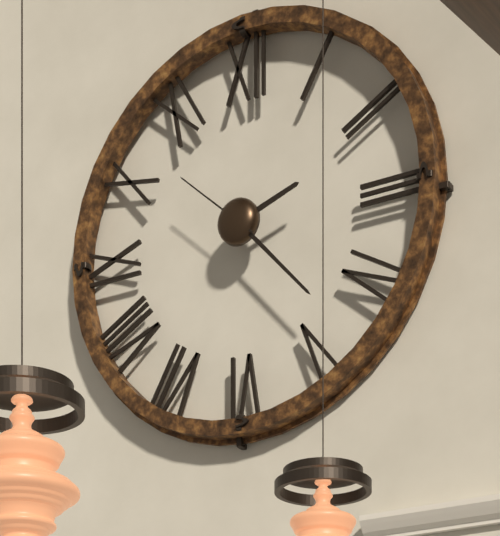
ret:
2:23:52
